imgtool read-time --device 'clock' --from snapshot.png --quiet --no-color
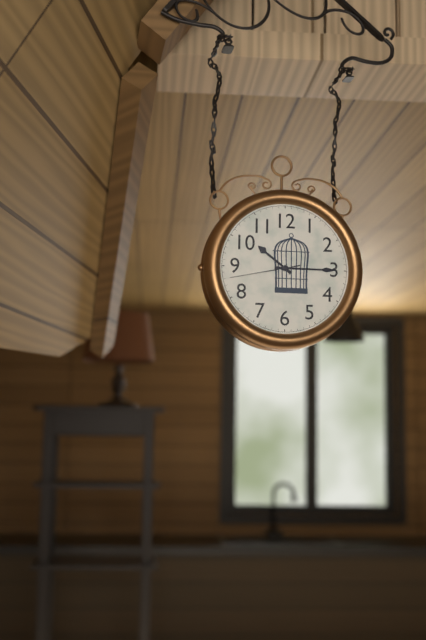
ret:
10:15:43
